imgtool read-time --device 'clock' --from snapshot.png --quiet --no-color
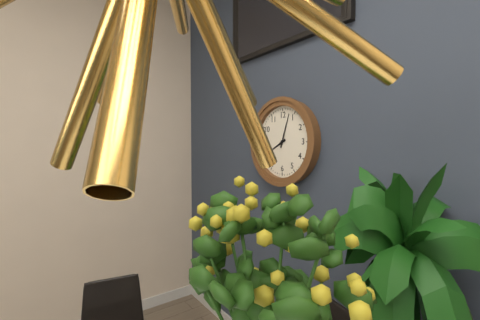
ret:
8:03
